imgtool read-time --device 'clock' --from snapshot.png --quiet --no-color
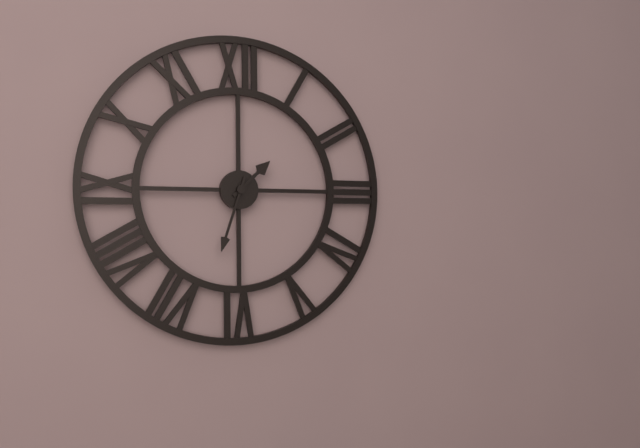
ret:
1:33
